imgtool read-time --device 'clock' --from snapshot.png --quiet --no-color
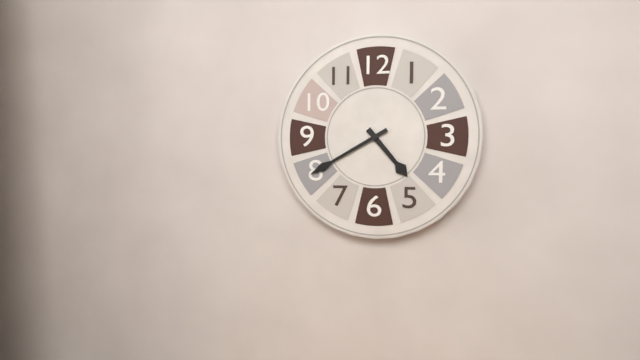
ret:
4:40
